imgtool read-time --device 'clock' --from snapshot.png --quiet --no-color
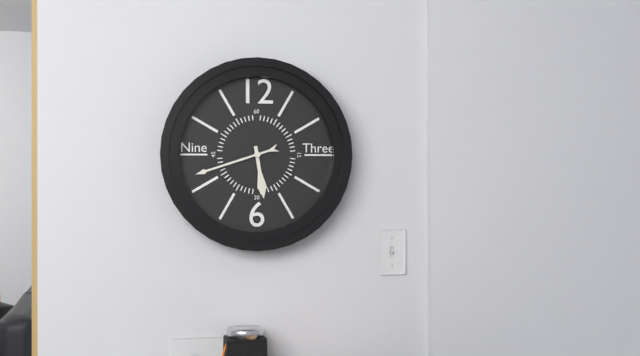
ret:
5:42
